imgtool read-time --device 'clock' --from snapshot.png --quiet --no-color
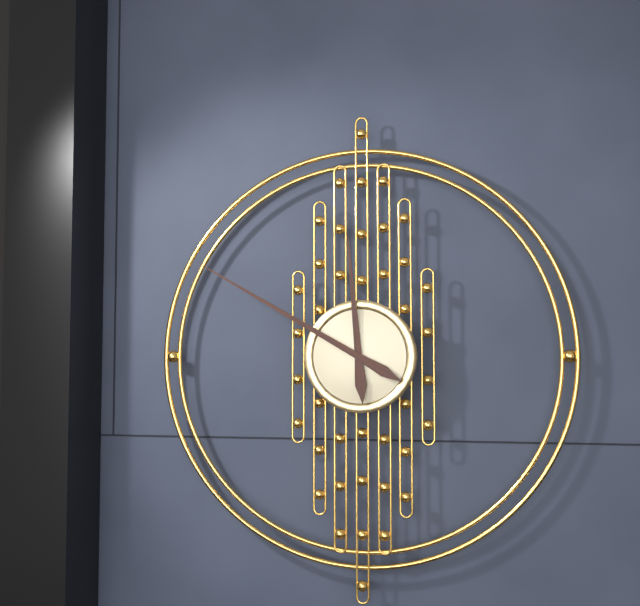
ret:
11:50
